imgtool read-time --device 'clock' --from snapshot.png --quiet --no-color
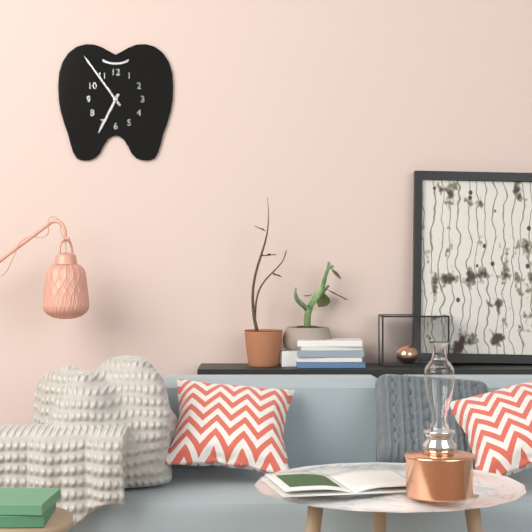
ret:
6:54
